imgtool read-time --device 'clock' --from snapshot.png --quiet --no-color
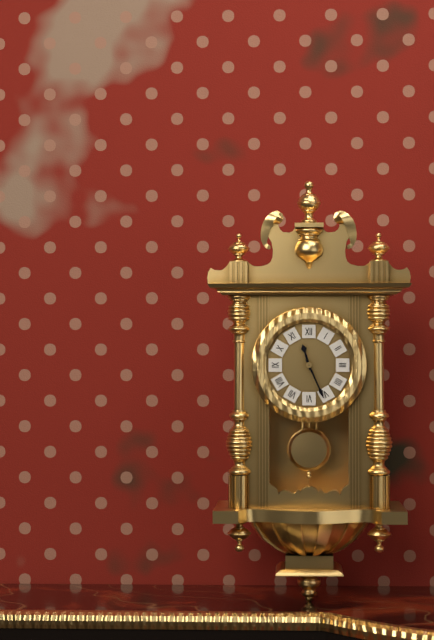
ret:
11:26
